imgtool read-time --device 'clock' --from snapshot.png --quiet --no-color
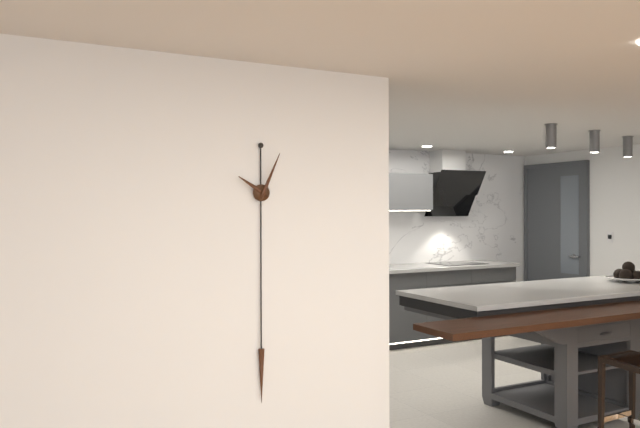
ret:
10:04
